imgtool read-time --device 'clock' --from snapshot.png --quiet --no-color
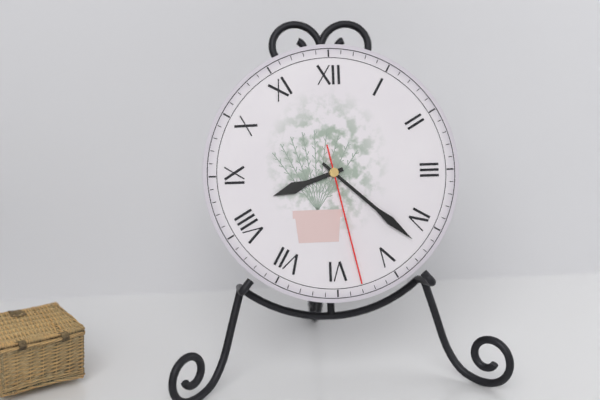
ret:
8:22:28
